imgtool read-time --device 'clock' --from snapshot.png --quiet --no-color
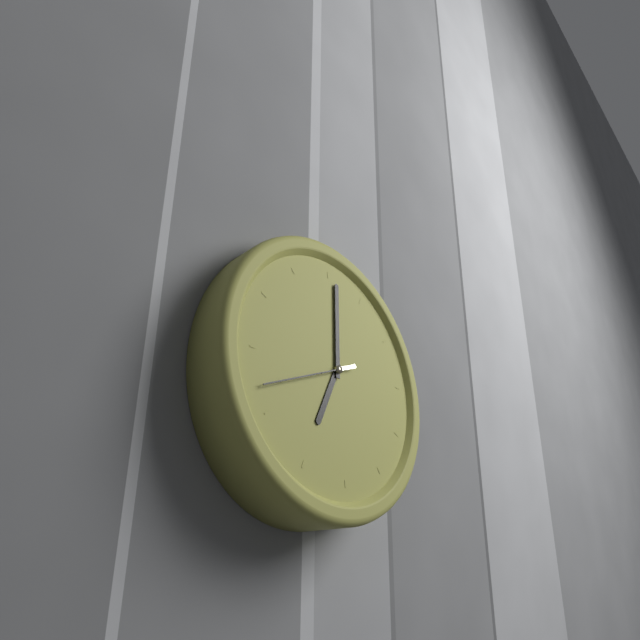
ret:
7:01:42
